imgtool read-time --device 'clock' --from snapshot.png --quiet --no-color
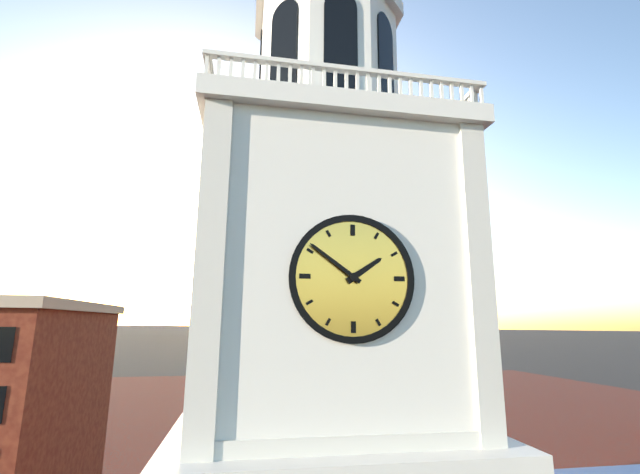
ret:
1:51
